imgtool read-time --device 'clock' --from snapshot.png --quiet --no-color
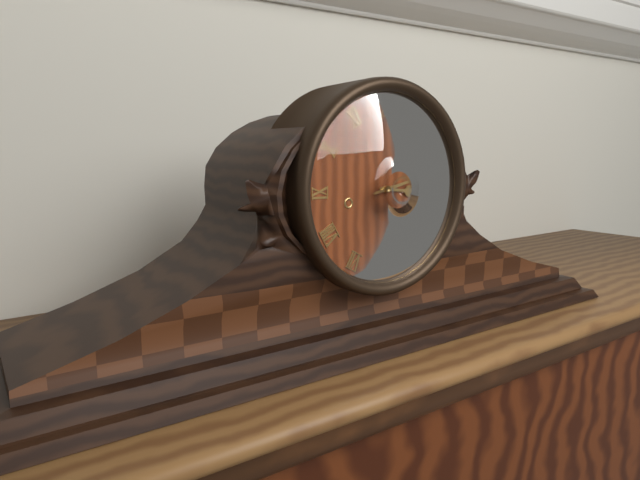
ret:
3:13
